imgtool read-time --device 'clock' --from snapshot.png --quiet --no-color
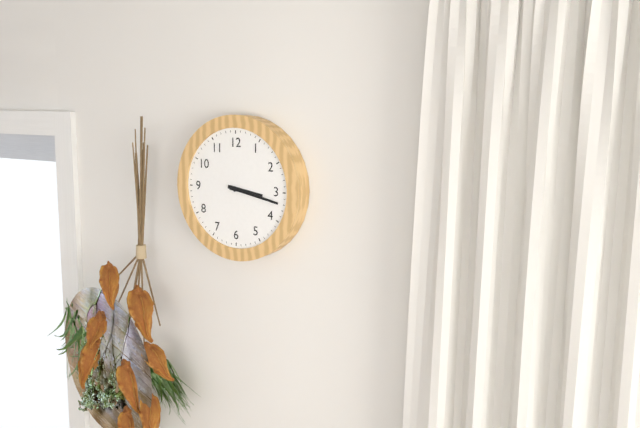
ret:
3:17
